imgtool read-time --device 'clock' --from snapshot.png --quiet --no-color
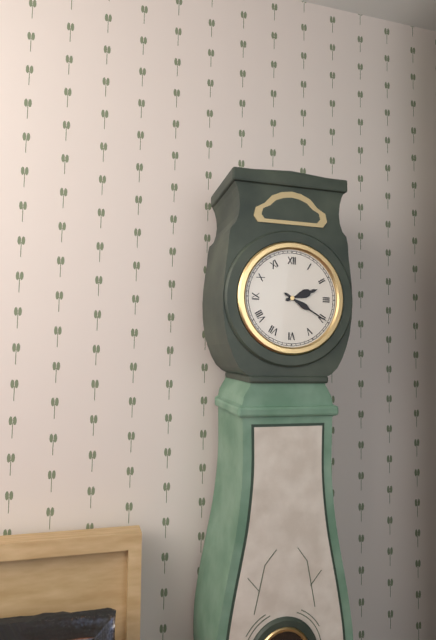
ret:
2:20
